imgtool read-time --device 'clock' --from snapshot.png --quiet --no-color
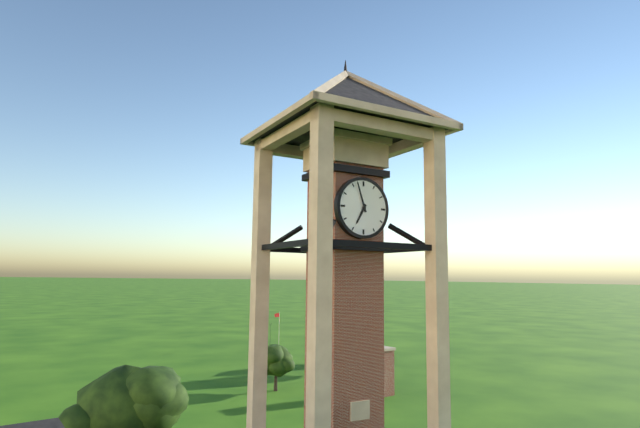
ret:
6:57
